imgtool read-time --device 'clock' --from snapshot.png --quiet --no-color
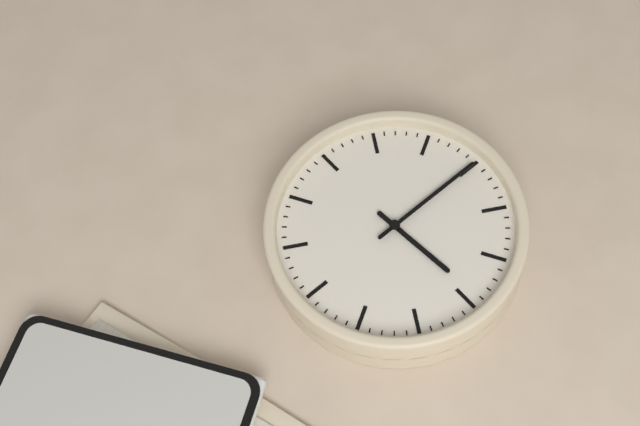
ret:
12:50
